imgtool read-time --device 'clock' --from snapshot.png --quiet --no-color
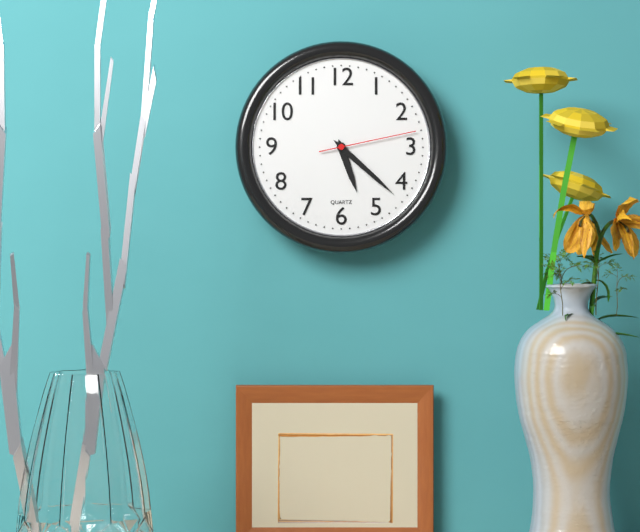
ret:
5:22:13
